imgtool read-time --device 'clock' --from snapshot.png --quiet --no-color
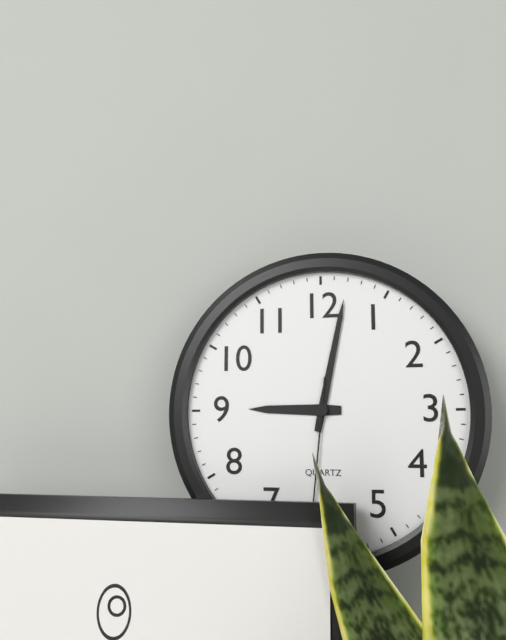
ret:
9:02:31
